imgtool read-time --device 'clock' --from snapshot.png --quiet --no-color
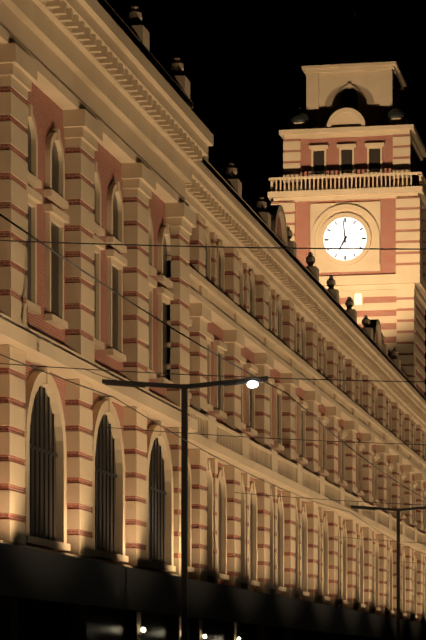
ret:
6:59
